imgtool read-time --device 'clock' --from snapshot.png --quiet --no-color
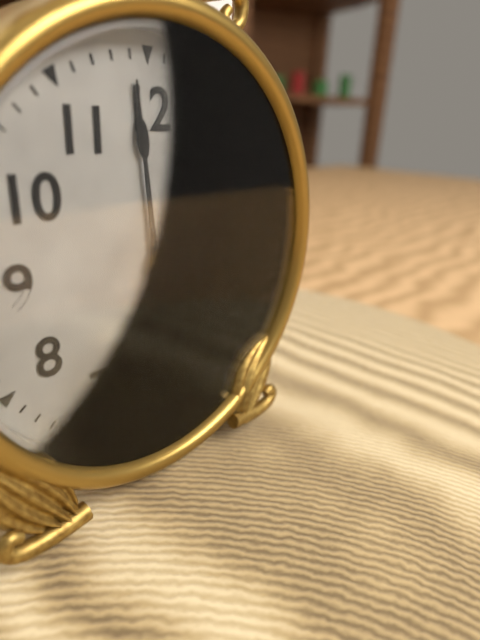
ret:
5:59
